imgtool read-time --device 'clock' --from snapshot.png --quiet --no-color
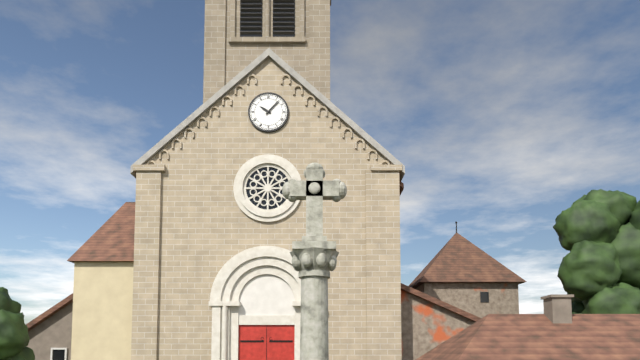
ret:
10:07
